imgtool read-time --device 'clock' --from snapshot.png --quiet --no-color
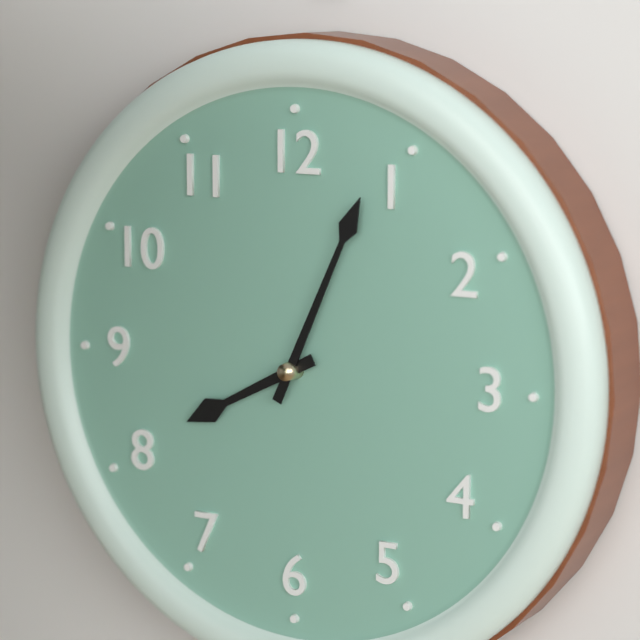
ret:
8:04
